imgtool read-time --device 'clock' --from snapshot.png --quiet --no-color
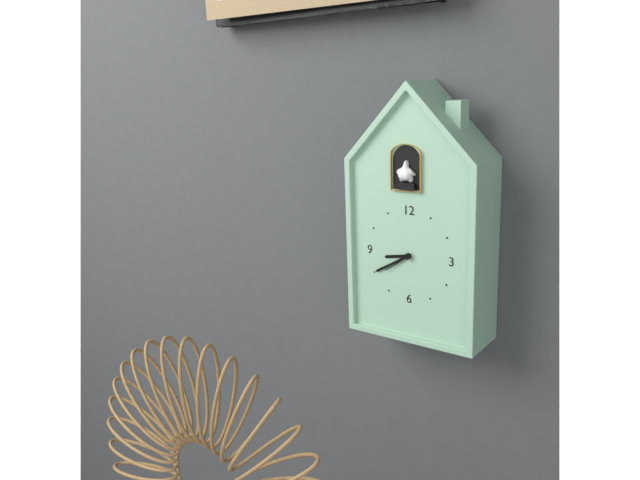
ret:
8:40
